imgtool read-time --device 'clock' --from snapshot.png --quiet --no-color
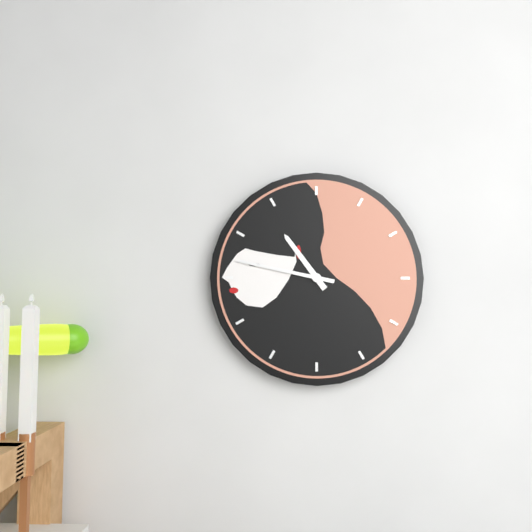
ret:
10:47
